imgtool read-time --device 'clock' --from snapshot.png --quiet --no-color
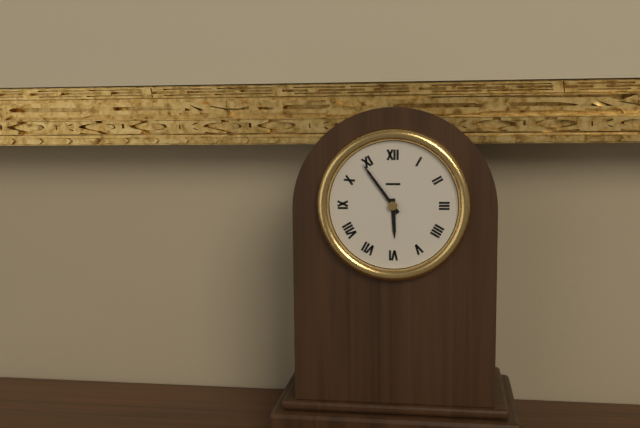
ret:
5:54
